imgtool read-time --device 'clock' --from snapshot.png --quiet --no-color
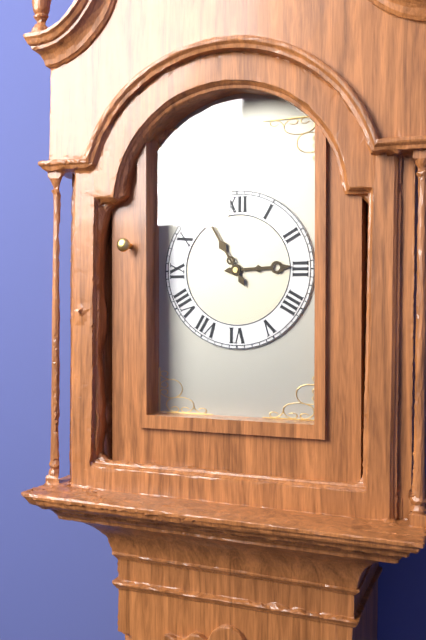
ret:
2:55
